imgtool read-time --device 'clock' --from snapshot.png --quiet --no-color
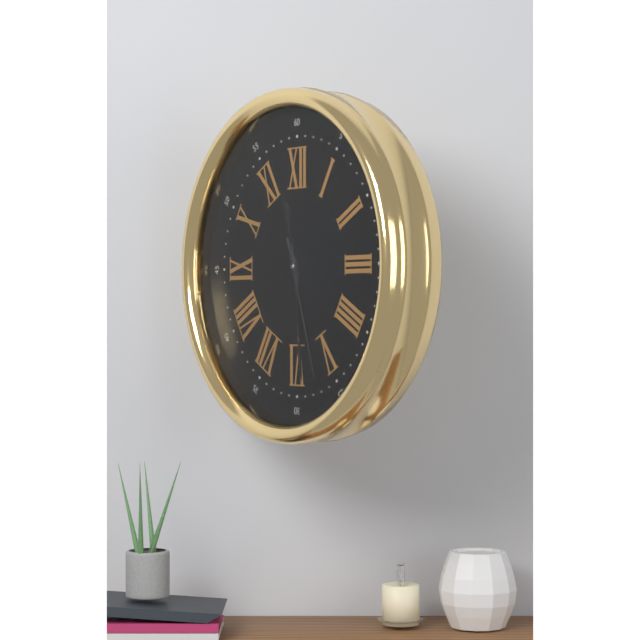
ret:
11:29:27
